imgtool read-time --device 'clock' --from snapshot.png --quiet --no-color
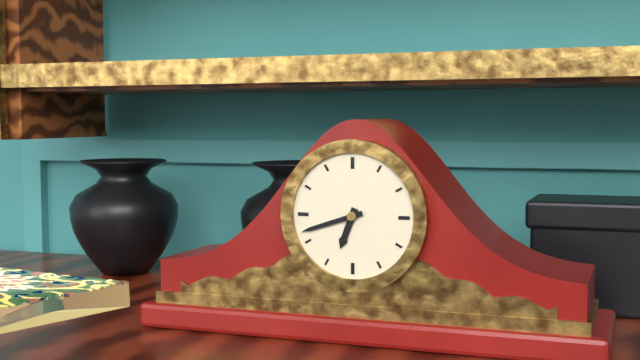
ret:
6:42
